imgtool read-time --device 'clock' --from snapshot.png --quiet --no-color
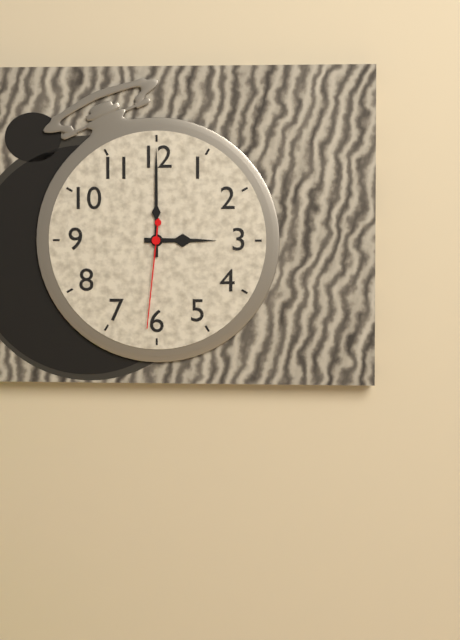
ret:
3:00:31
